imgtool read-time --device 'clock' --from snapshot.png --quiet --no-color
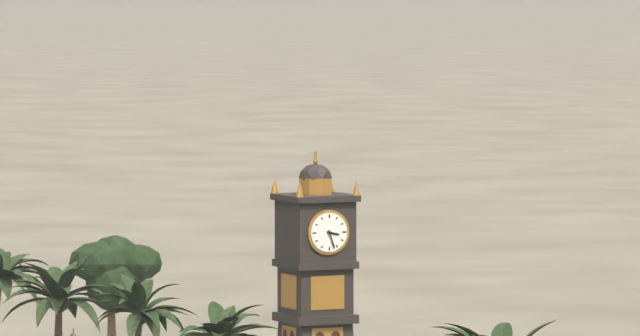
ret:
3:27
